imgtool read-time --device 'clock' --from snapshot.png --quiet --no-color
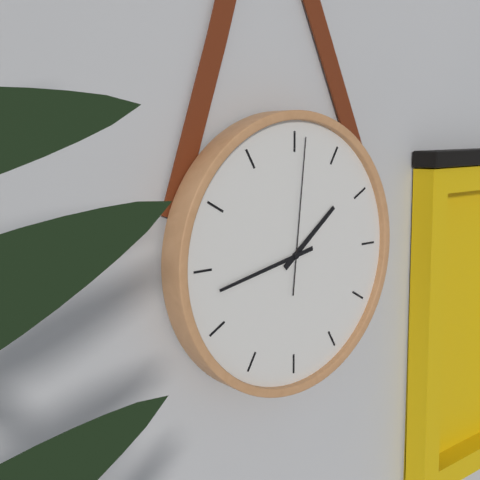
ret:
1:43:01
